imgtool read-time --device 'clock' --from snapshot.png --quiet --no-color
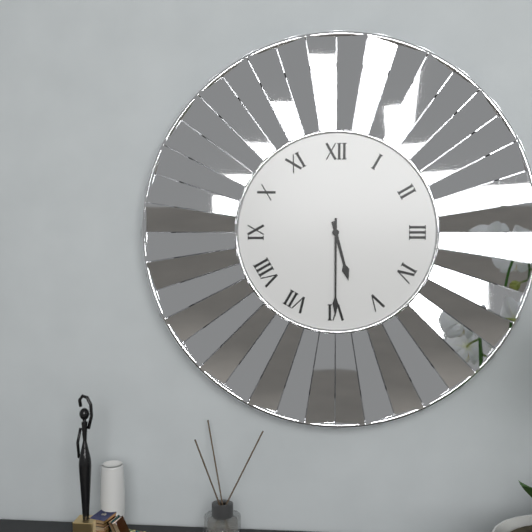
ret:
5:30
